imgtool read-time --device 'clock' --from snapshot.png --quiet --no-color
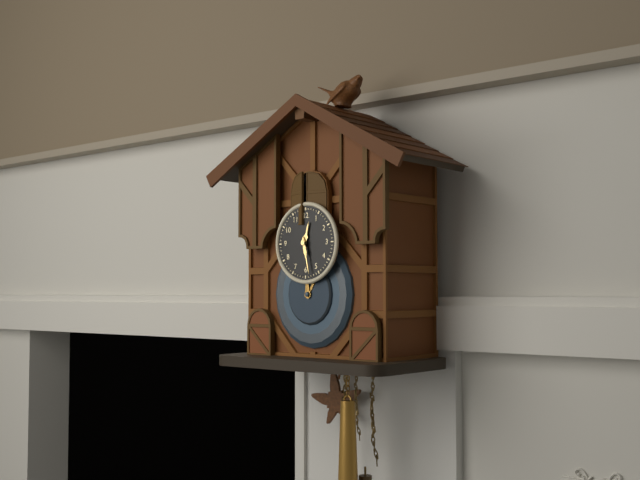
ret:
12:28
